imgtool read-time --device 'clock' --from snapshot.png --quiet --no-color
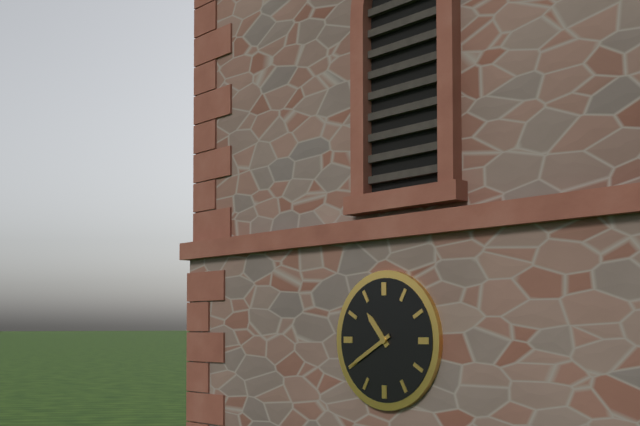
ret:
10:40
